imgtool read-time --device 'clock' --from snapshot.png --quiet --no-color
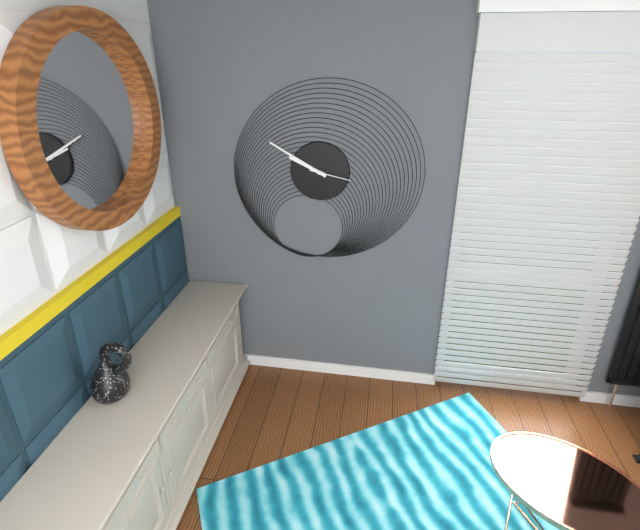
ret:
9:50
